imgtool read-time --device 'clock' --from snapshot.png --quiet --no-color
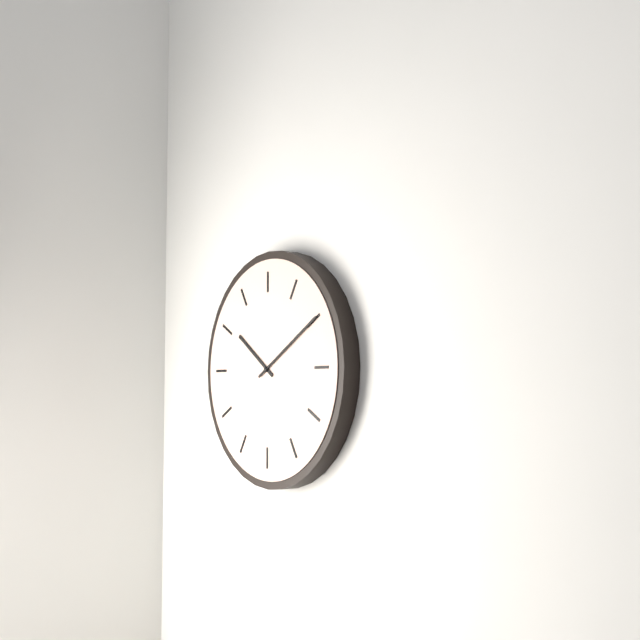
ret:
10:10
